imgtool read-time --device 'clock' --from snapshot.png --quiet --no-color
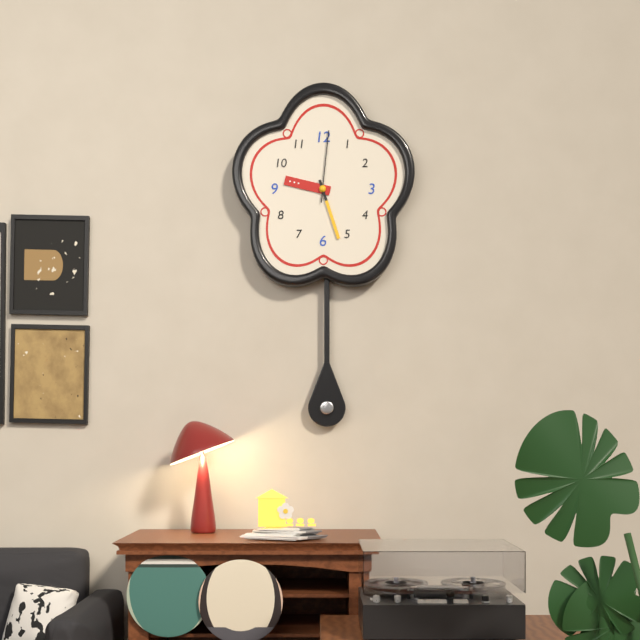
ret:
9:27:01
